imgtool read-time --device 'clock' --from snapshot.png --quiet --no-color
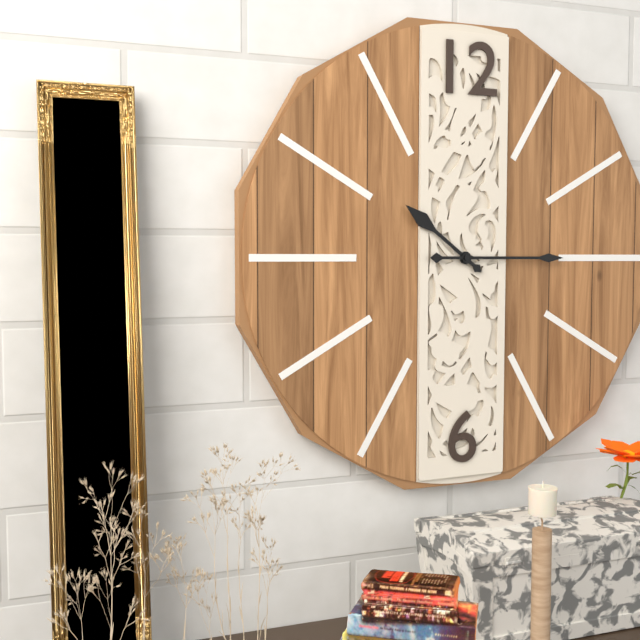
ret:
10:15
